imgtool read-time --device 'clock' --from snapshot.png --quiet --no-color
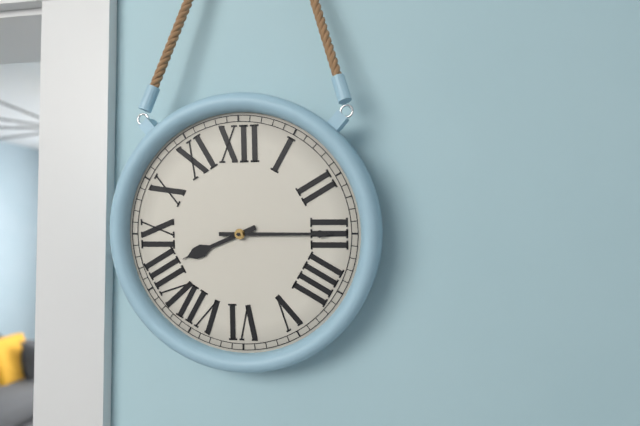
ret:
8:15
